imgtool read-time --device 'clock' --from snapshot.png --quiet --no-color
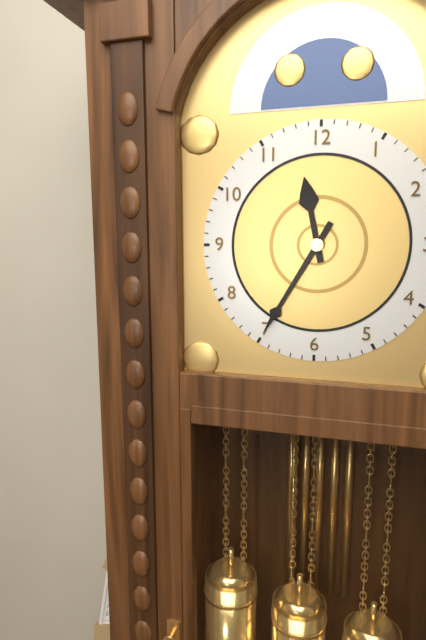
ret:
11:35
